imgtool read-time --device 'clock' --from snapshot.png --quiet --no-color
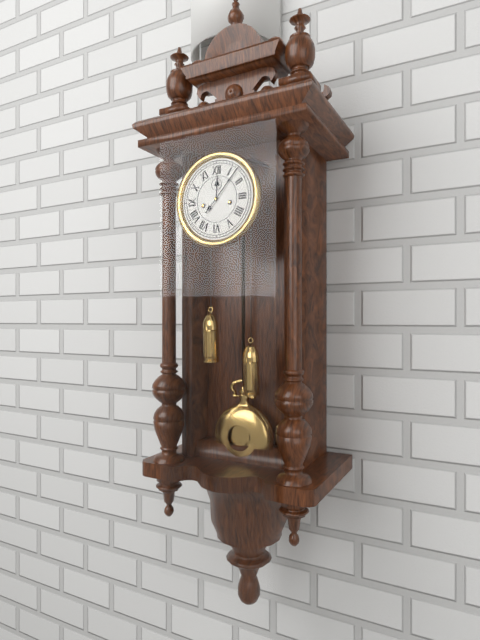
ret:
12:07
